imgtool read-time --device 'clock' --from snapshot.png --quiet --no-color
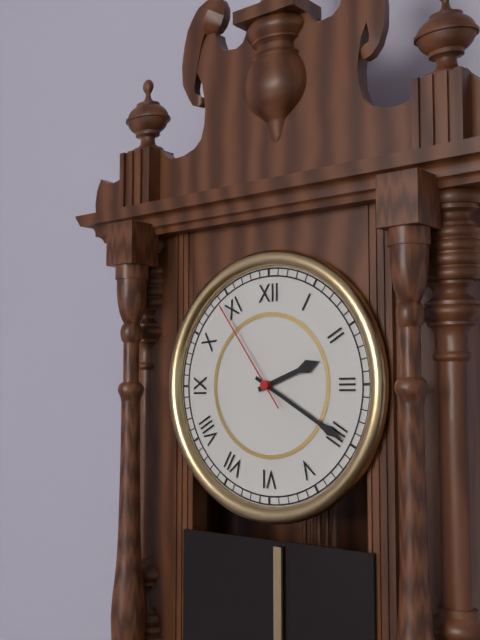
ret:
2:20:54
